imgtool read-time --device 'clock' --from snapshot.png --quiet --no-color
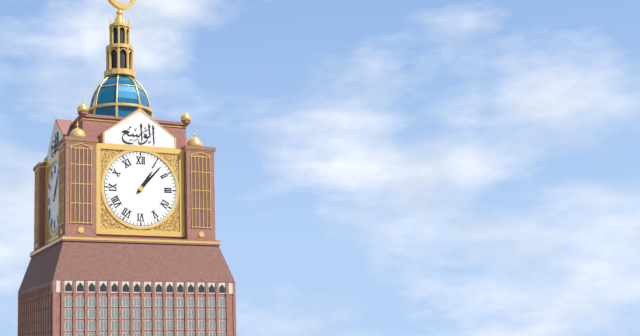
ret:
1:07
